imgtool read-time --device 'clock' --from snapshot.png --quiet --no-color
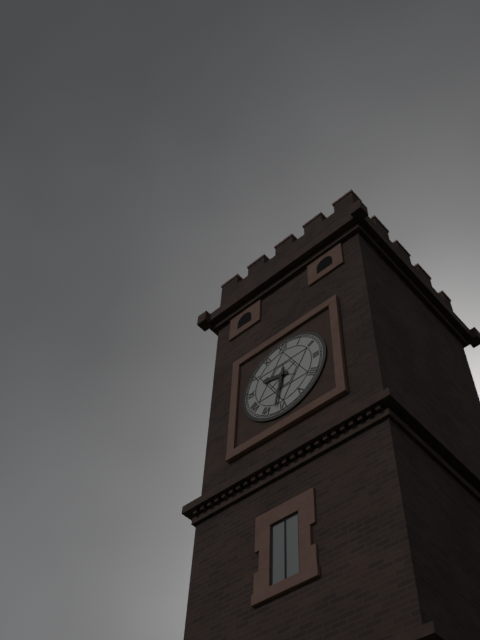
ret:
9:32
